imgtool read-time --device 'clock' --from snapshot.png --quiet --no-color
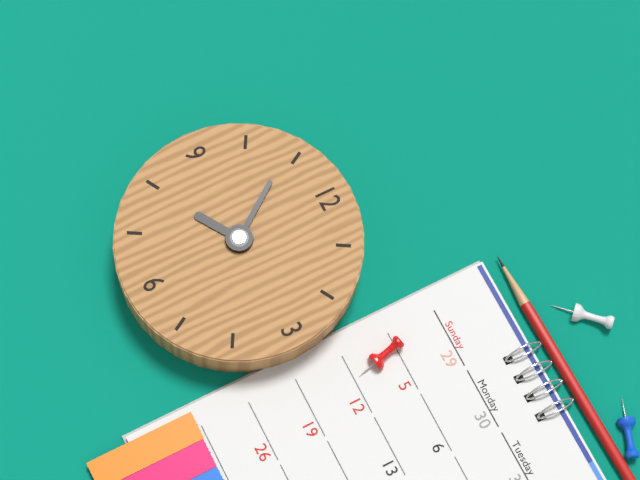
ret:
7:54
